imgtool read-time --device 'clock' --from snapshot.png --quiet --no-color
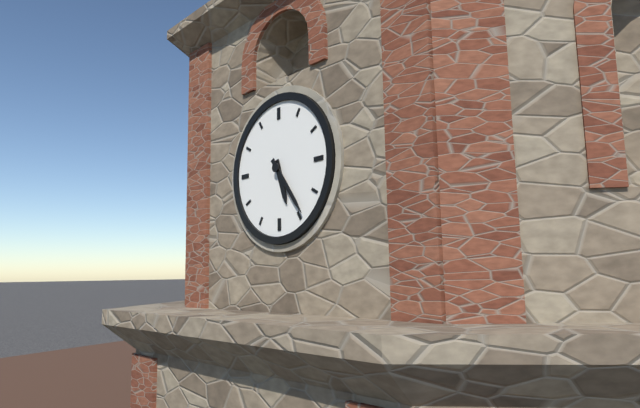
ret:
5:24
